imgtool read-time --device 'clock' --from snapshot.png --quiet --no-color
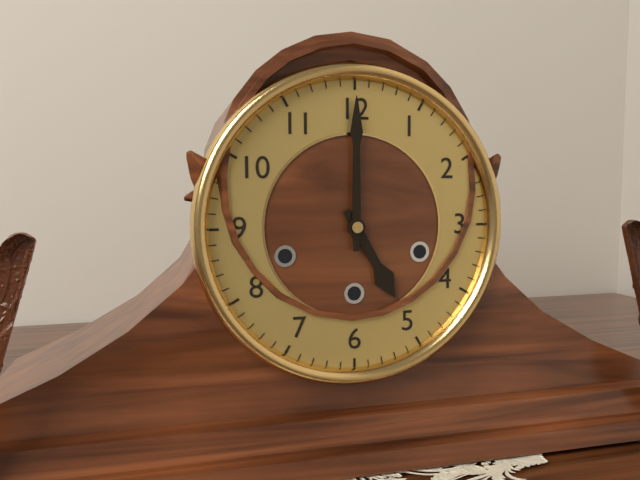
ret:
5:00
